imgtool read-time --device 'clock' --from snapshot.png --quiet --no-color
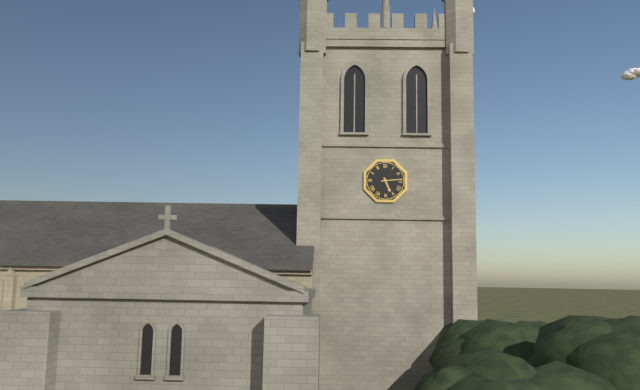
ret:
5:14
